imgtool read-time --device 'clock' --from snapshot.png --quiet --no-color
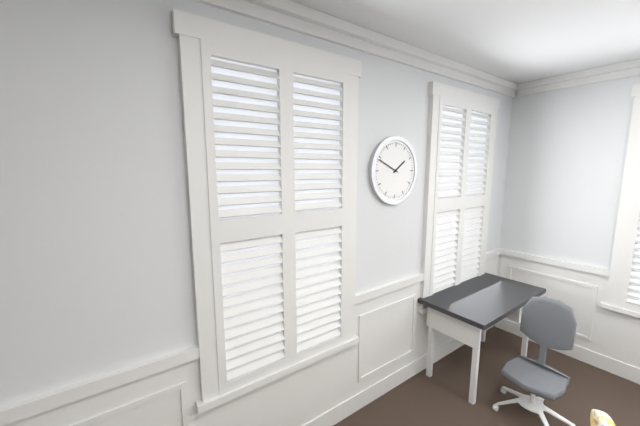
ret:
1:49
